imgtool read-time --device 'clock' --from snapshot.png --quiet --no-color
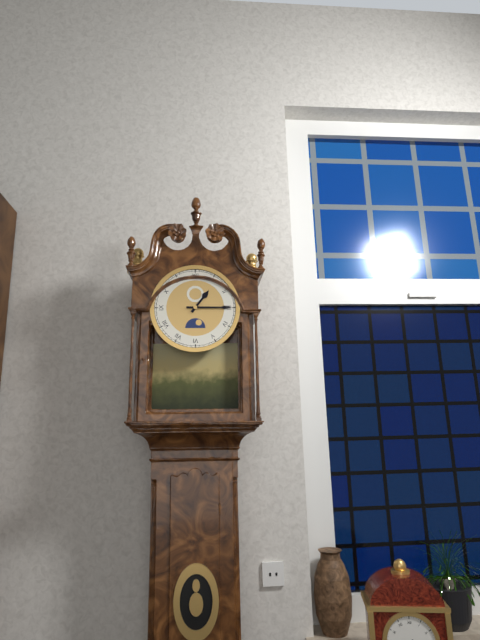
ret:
1:15
